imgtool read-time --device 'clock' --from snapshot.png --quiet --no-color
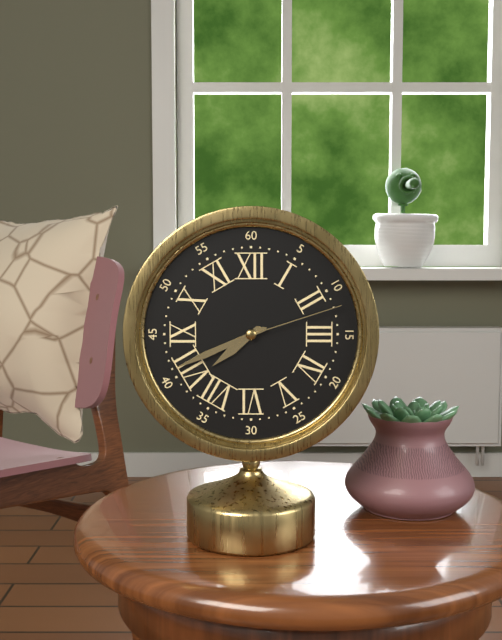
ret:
7:41:12
